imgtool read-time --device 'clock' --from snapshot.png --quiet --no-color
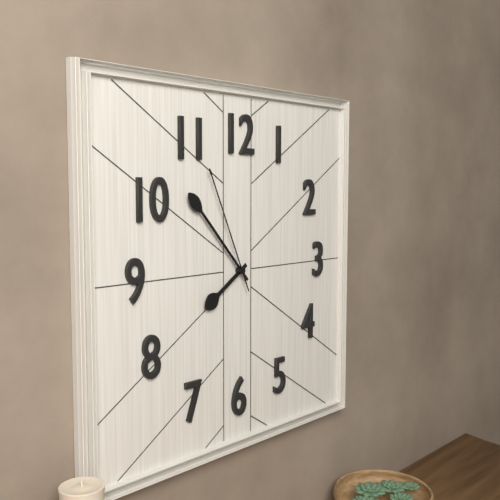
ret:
7:53:56
